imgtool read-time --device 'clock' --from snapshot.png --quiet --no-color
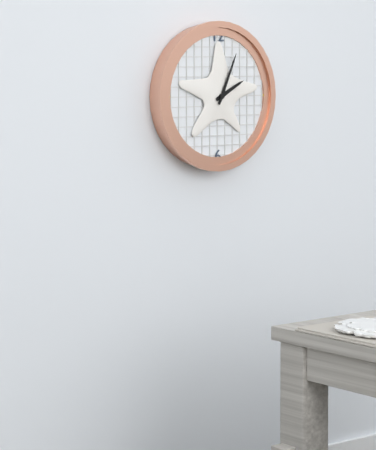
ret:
2:04
